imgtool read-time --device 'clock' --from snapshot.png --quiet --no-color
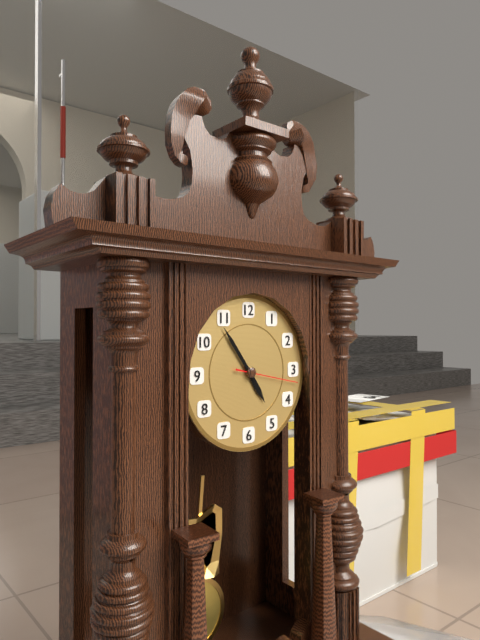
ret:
4:54:17
